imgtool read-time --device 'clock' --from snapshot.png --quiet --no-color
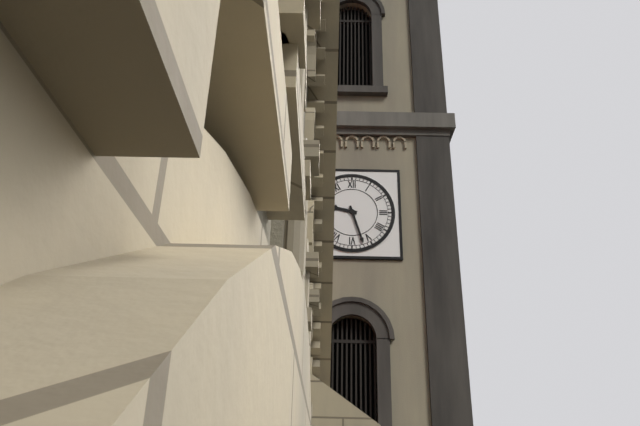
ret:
9:27
